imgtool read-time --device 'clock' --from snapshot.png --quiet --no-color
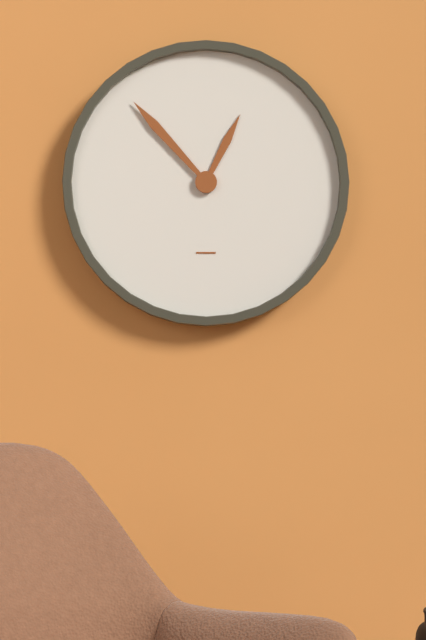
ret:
12:53
